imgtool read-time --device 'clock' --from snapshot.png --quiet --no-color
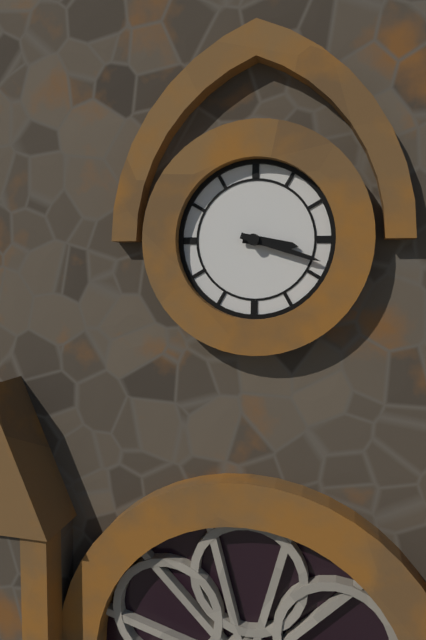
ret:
3:18
